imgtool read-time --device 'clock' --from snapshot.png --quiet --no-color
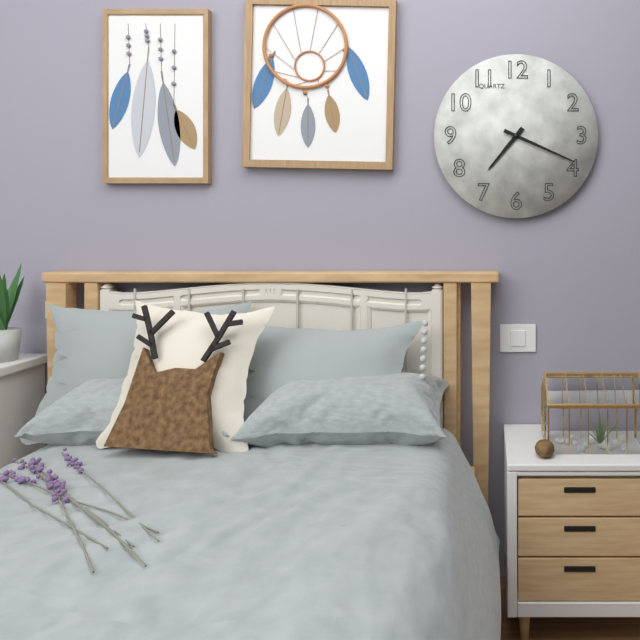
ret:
7:19
